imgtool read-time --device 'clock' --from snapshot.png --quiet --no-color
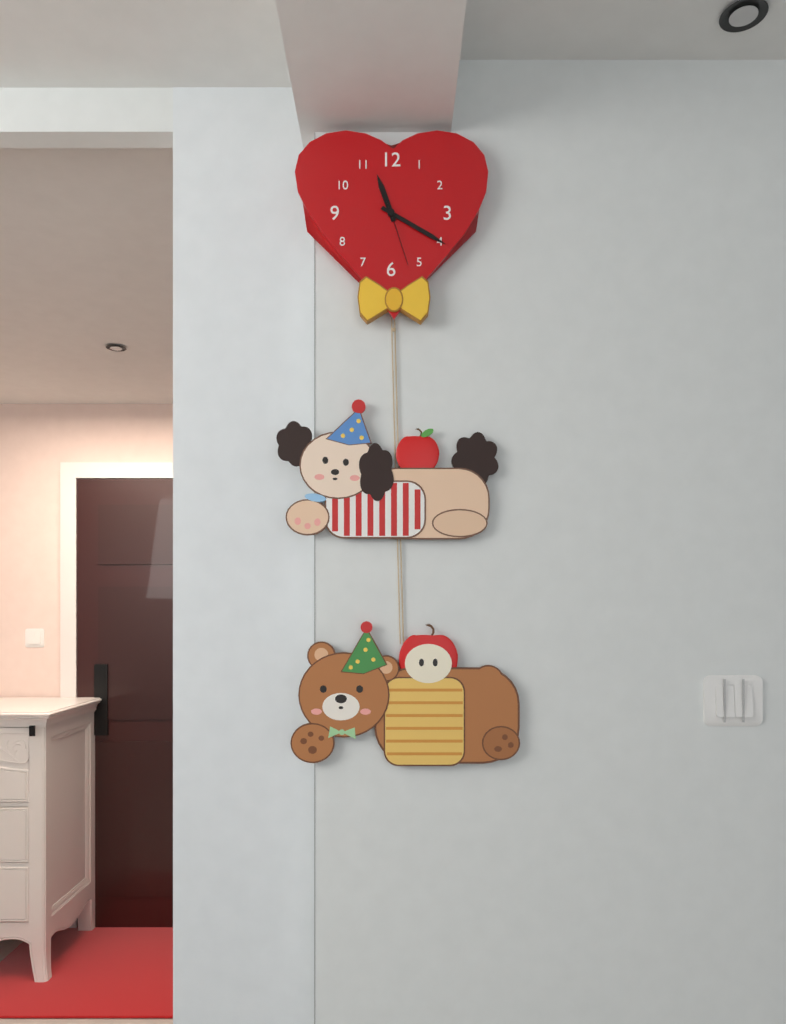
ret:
11:20:27
